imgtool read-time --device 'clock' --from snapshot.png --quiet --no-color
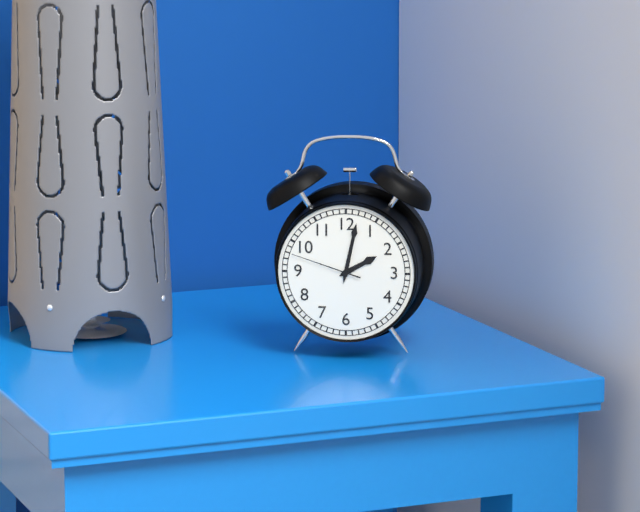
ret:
2:02:48
